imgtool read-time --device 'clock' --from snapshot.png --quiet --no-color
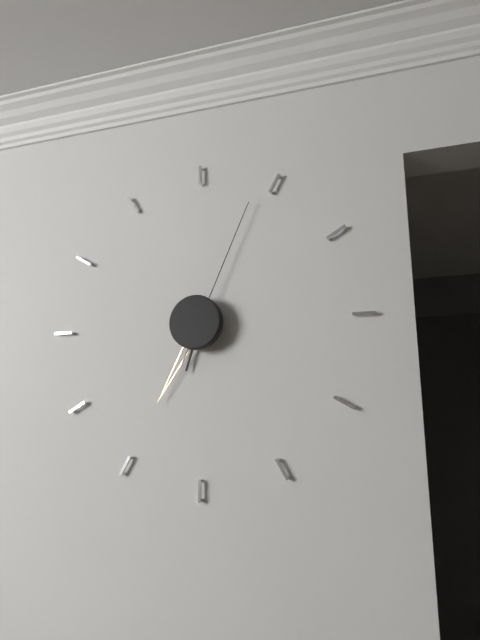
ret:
6:35:04
